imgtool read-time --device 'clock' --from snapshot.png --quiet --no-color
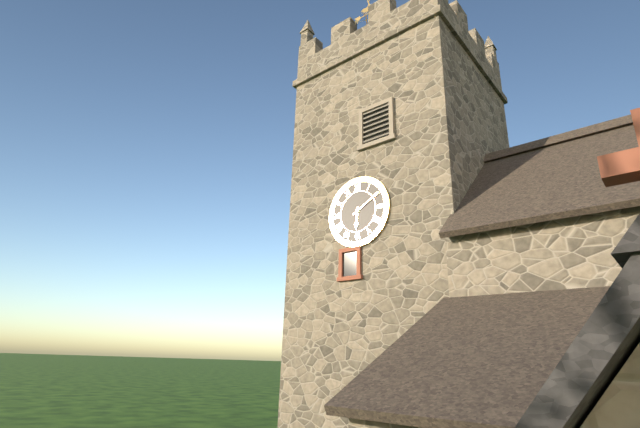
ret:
6:10
